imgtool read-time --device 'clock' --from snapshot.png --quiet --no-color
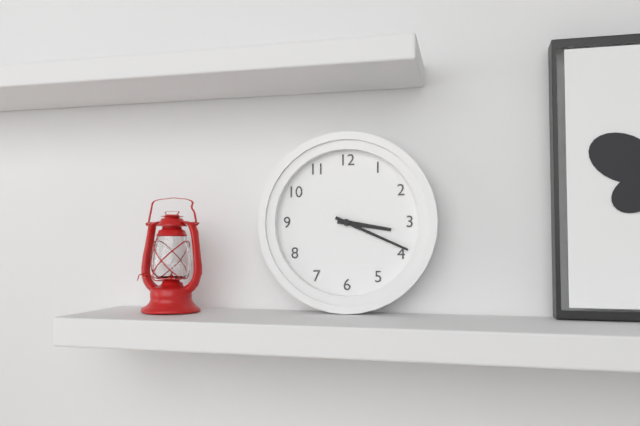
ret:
3:19
